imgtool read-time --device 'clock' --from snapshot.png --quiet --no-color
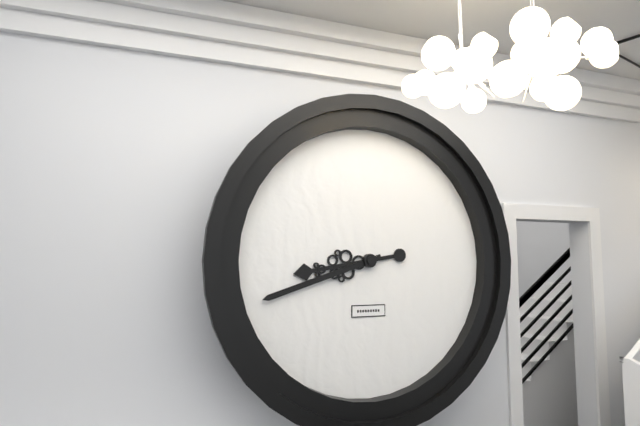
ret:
8:42
